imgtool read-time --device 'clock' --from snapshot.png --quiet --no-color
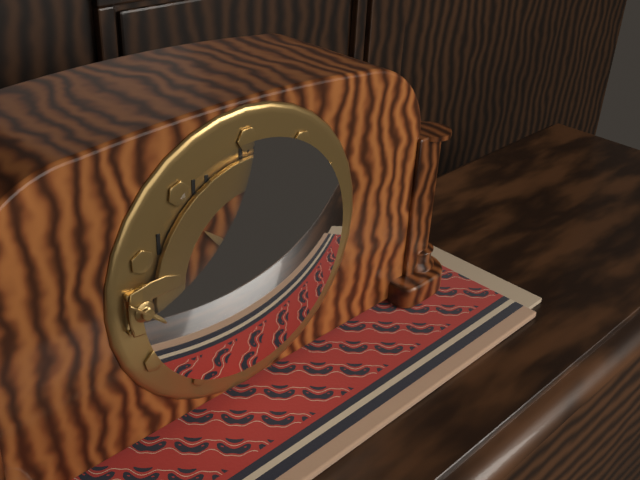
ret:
10:29
